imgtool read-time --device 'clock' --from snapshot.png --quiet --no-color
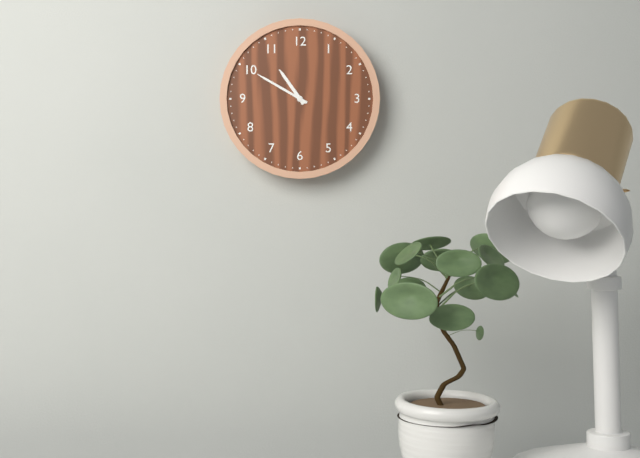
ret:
10:50
